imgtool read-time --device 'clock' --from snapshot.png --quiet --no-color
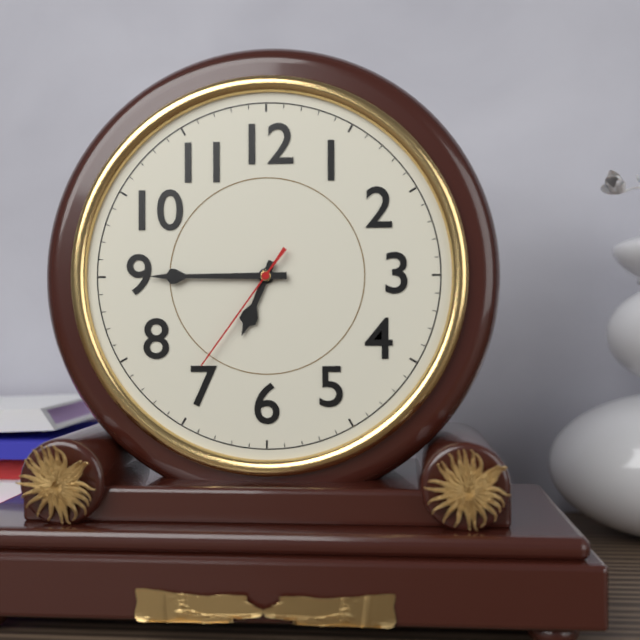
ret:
6:45:36
